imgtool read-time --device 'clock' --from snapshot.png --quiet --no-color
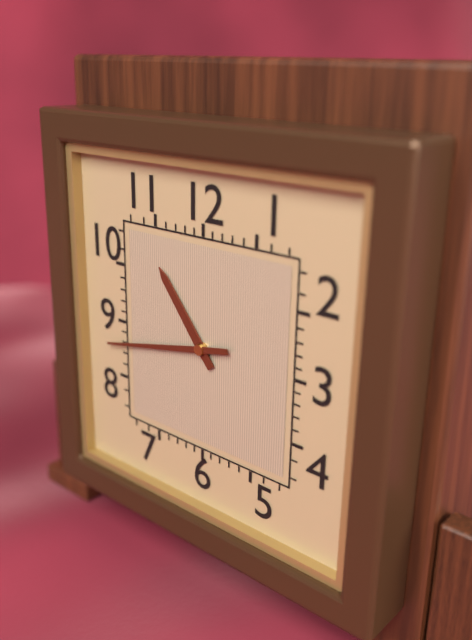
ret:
10:43
